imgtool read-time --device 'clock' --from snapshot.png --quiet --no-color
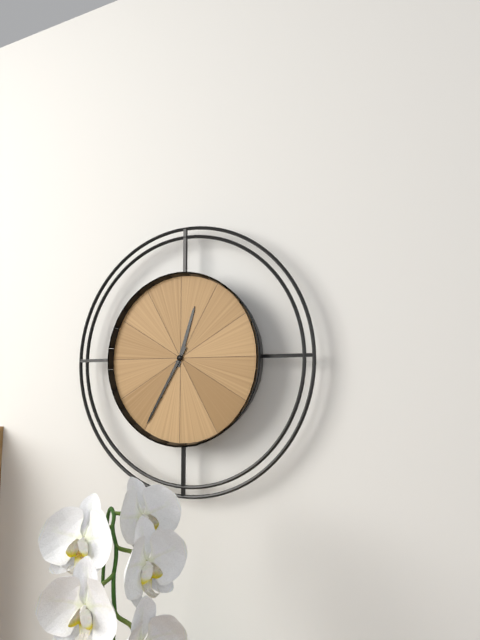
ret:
12:35
